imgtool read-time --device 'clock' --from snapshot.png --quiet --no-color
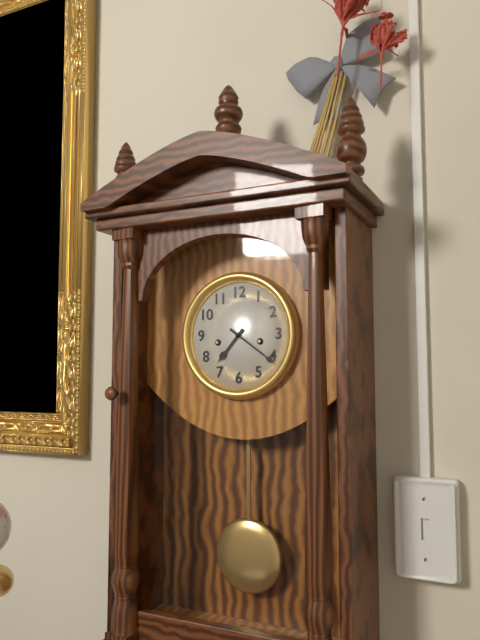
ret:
7:21
